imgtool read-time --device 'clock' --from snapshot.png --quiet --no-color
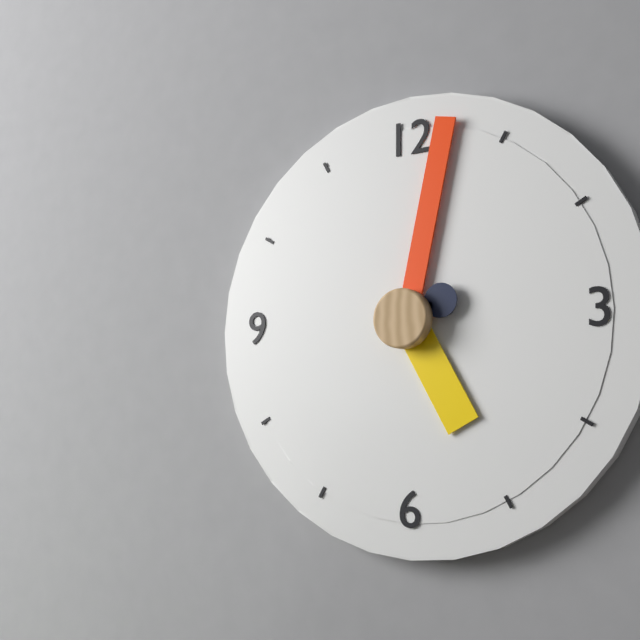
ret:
5:02:11
